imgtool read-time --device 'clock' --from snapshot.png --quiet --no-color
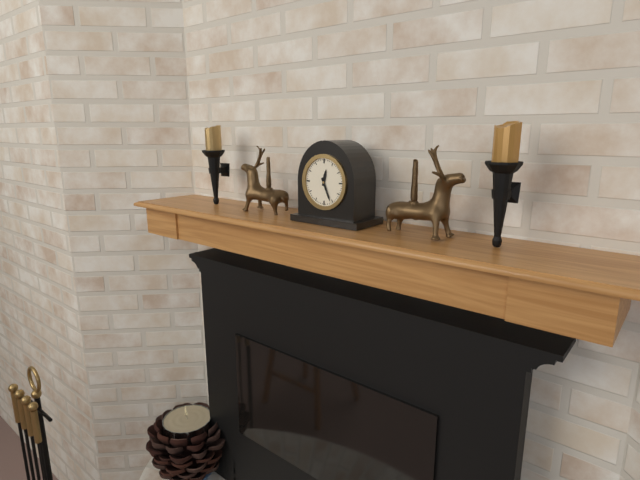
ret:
12:26
